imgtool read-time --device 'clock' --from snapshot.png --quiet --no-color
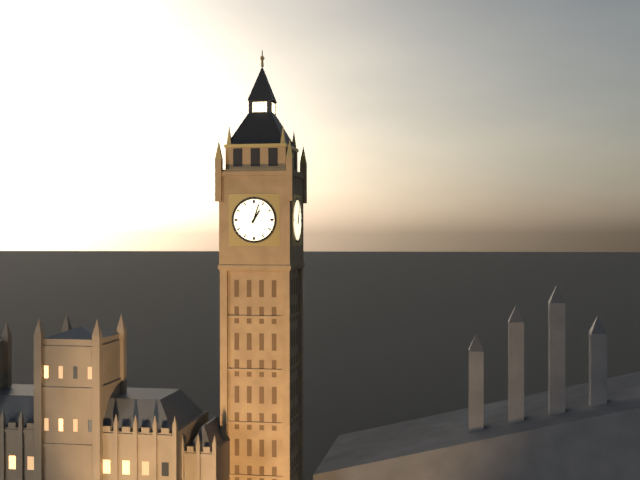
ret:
1:03
